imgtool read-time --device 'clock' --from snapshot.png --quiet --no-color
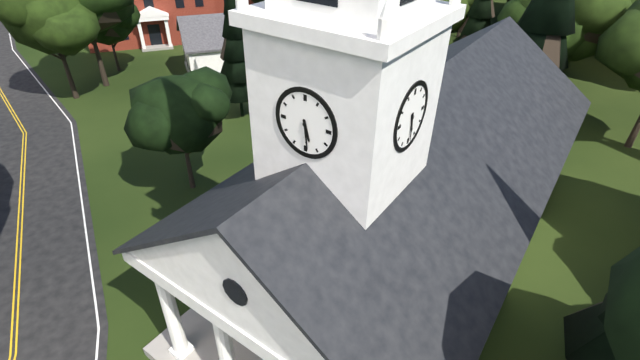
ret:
5:29
